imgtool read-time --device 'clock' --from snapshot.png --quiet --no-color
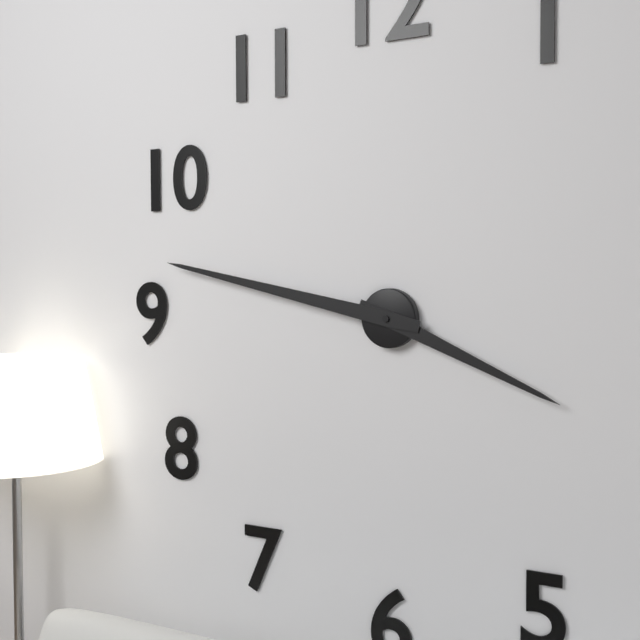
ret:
3:47
